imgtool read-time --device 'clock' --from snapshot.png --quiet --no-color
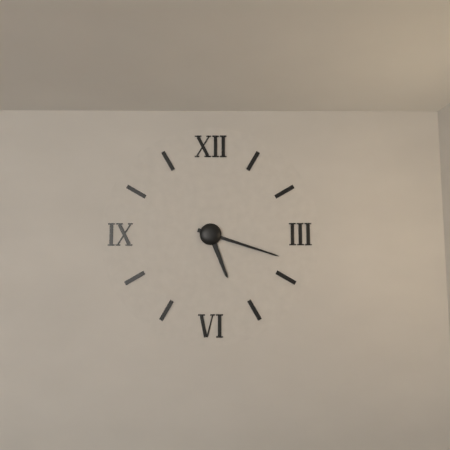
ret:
5:18
